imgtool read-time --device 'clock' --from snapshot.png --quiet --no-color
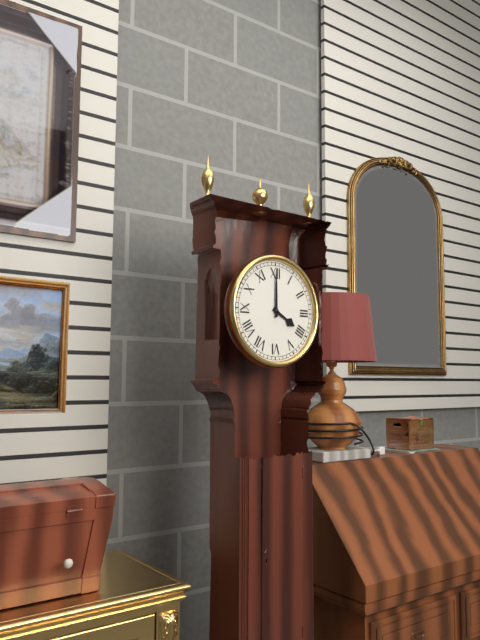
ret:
4:00
